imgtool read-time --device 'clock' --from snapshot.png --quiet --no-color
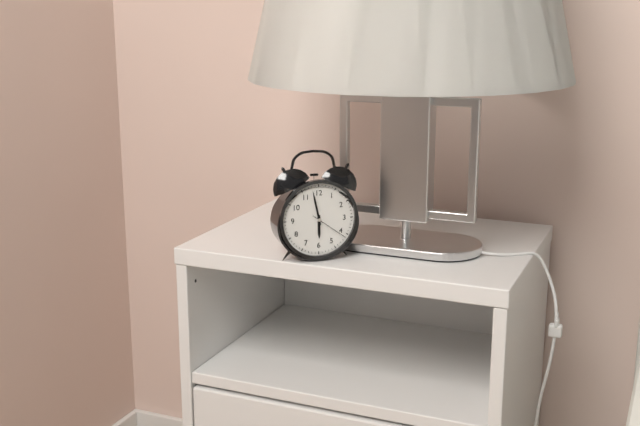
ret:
5:58
